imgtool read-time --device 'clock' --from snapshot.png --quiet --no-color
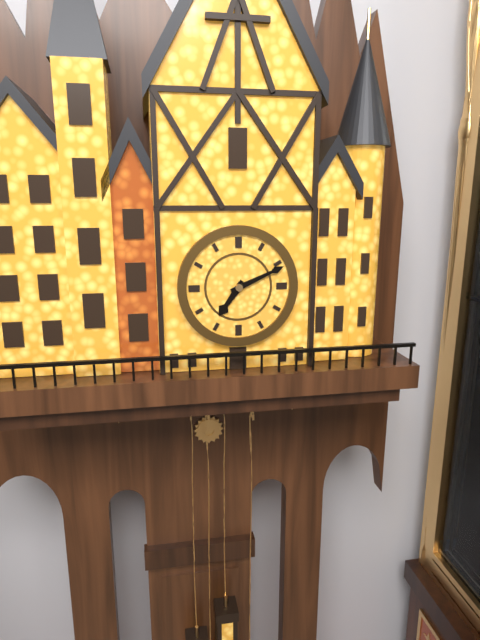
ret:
7:11
